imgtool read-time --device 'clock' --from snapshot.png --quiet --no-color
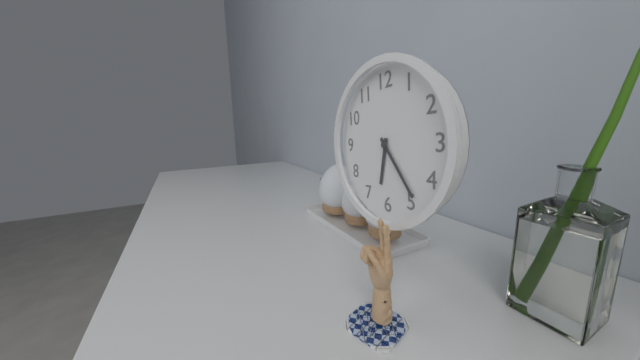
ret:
6:24
